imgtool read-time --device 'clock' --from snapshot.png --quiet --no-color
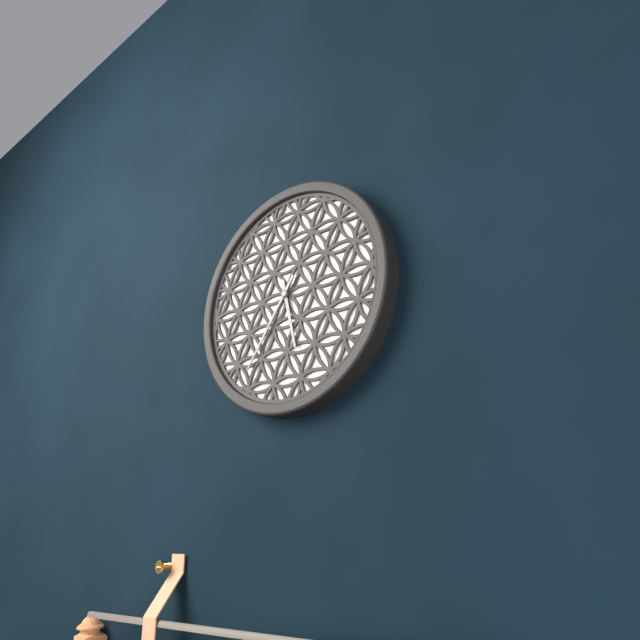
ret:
5:36
